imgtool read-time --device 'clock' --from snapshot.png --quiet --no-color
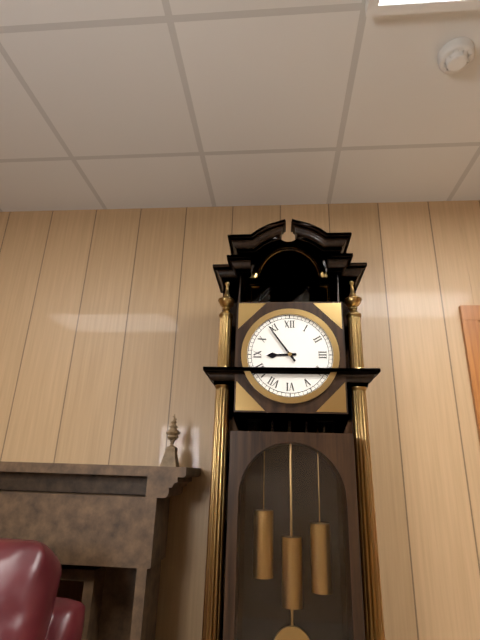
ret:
8:54
